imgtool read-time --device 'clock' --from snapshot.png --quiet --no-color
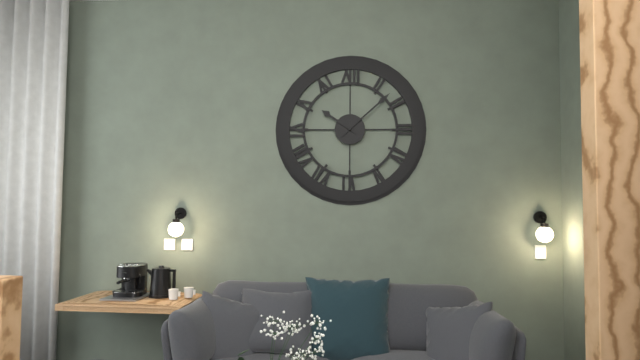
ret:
10:08
